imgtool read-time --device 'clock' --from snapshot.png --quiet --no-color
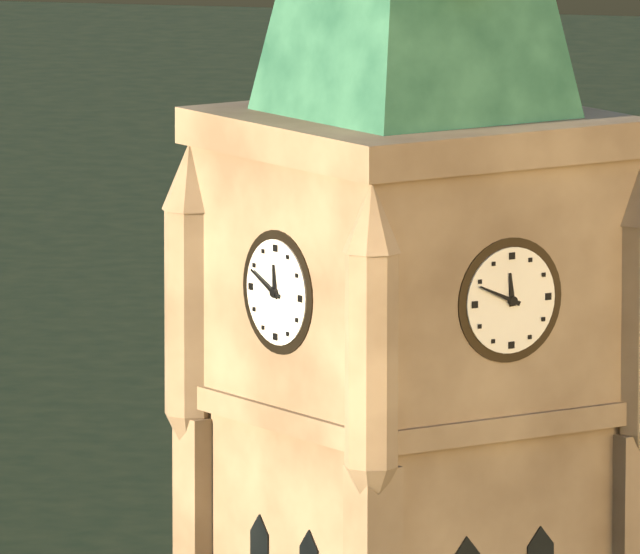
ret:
11:49
